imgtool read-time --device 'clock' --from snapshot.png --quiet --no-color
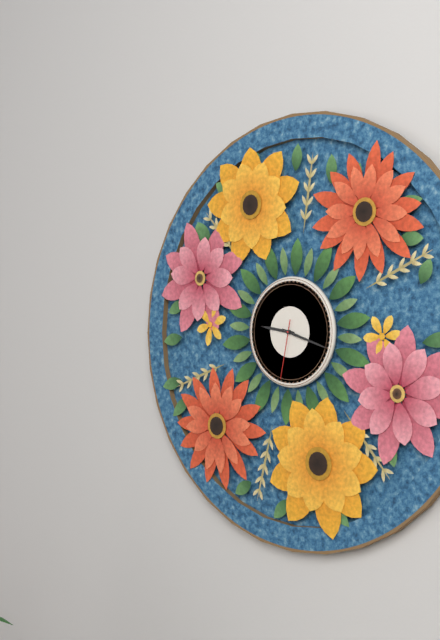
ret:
9:18:32
